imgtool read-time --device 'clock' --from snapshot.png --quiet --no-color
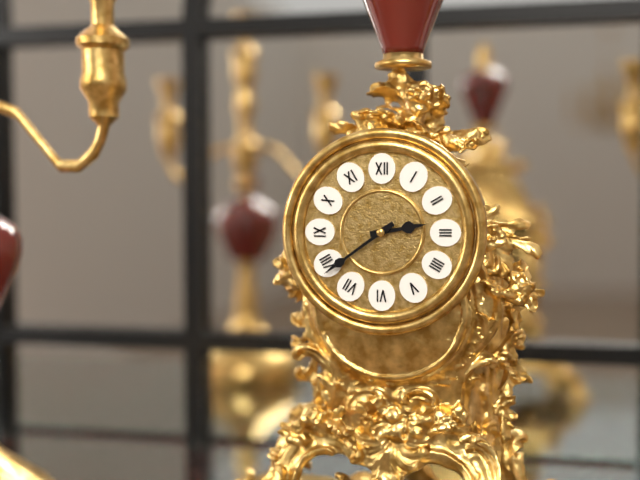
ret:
2:39
